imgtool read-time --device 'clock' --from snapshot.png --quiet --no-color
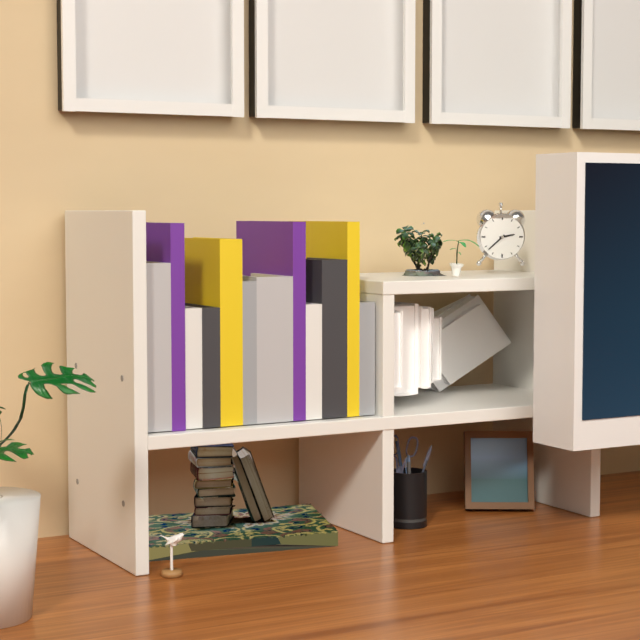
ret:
2:38
